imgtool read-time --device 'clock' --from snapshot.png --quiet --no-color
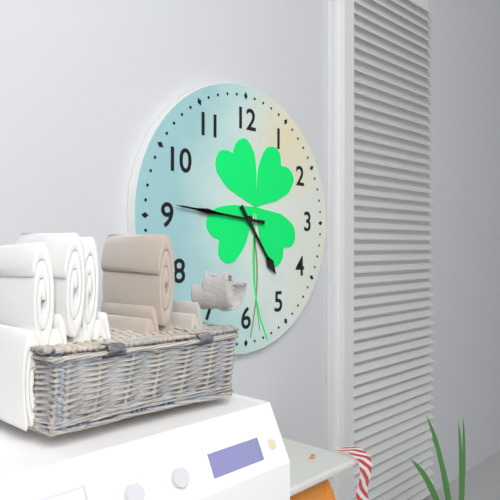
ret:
4:46
